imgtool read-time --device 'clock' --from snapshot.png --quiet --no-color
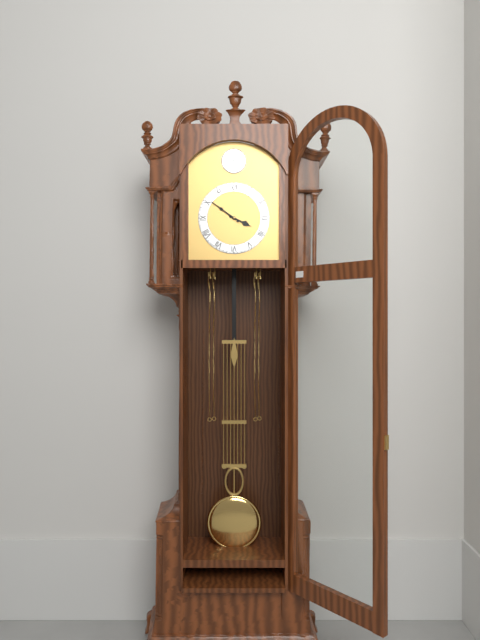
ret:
3:51
